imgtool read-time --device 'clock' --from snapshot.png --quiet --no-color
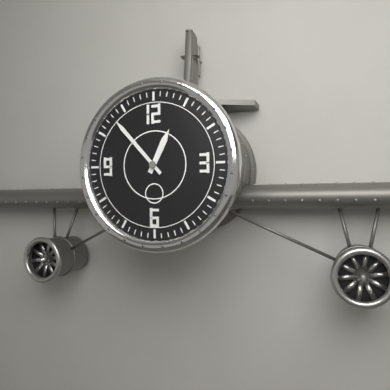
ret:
12:53
